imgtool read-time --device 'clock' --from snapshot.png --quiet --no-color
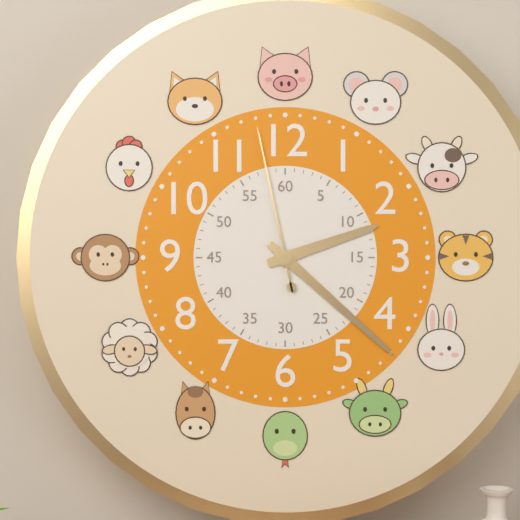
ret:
2:22:58
